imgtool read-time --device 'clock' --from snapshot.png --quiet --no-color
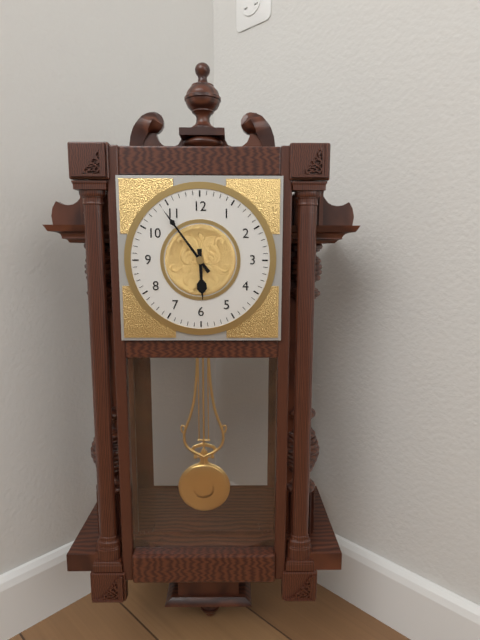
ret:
5:54
